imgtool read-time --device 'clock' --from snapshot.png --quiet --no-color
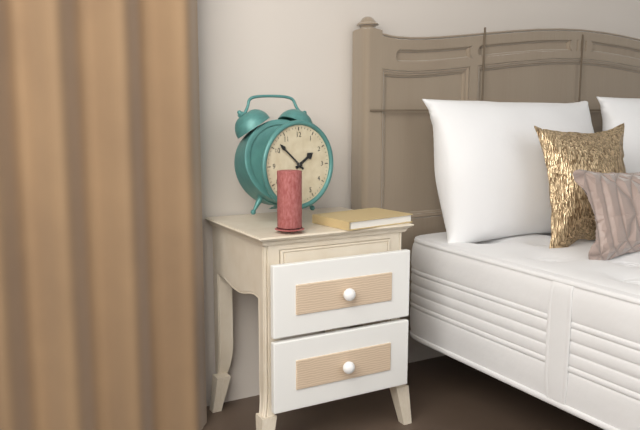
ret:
1:52
